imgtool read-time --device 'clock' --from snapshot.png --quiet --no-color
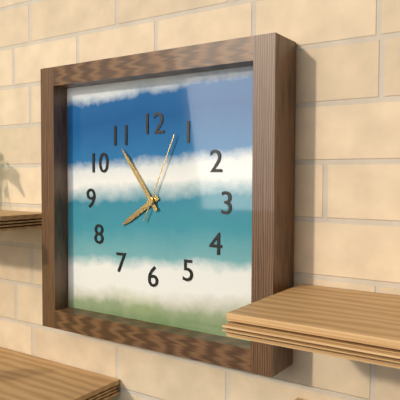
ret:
7:54:04
